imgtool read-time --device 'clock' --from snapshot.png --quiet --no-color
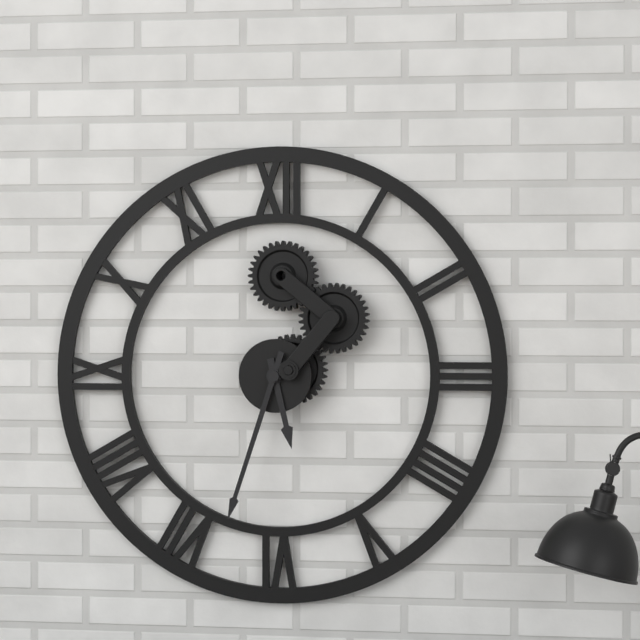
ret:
5:33
